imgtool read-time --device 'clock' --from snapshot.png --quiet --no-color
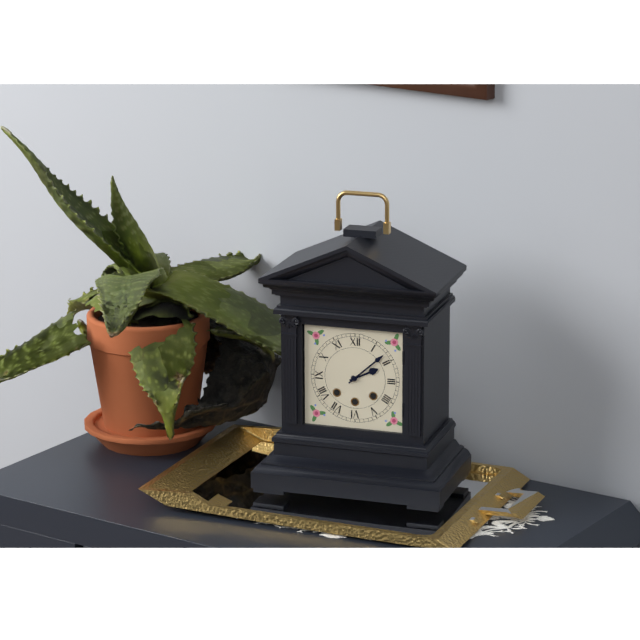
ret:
2:08
